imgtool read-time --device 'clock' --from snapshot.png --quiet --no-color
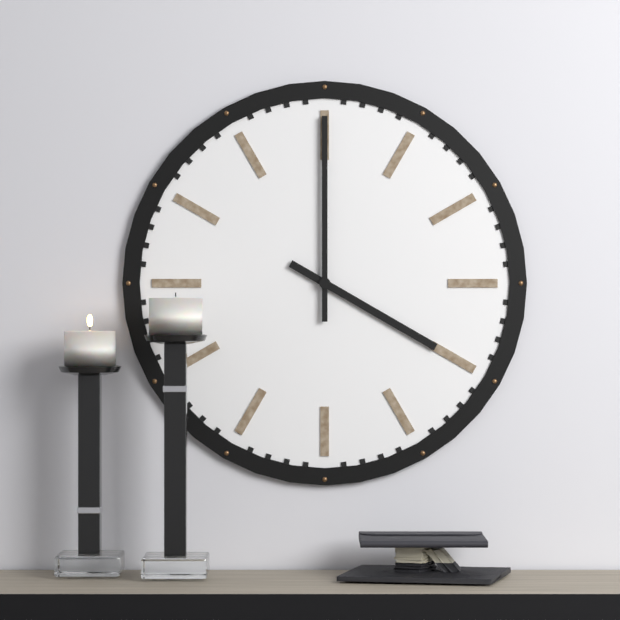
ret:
4:00
